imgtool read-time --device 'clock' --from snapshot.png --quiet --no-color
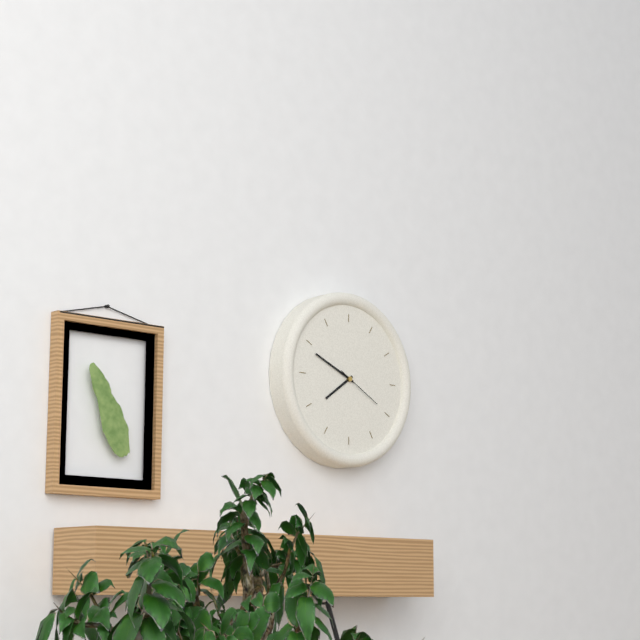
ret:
7:49
